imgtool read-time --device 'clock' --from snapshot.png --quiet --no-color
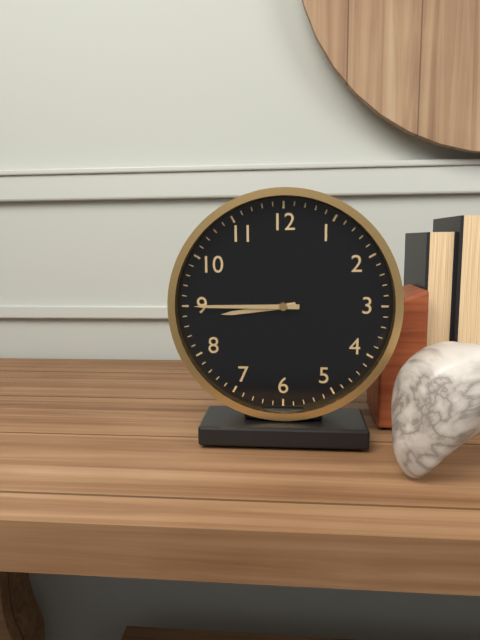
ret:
8:45
